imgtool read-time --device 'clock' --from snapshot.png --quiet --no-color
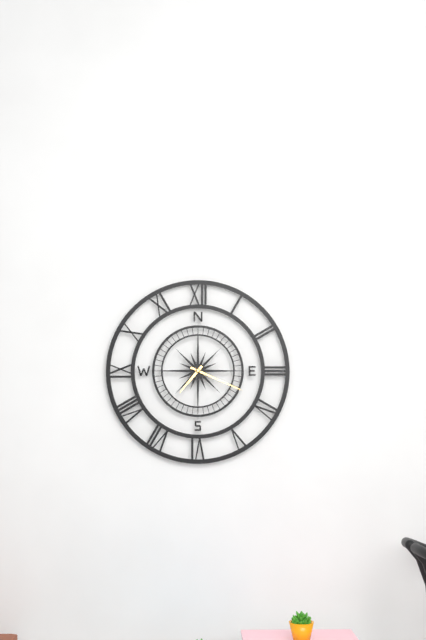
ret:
7:19
